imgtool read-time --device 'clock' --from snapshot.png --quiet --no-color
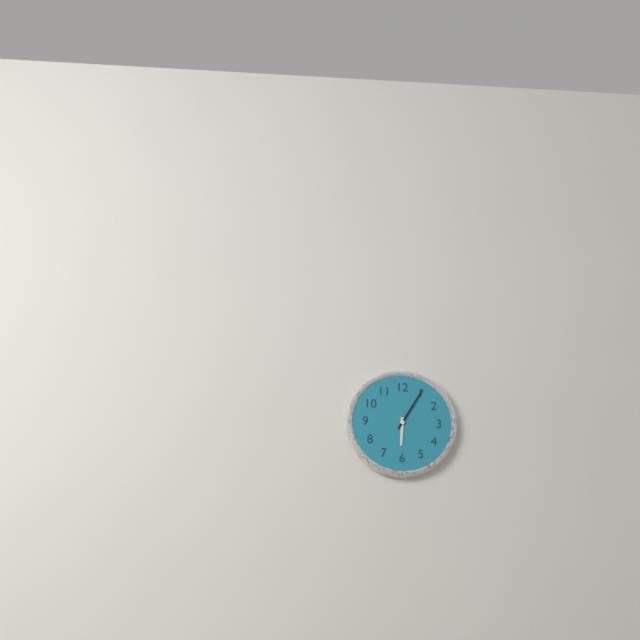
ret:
6:05
